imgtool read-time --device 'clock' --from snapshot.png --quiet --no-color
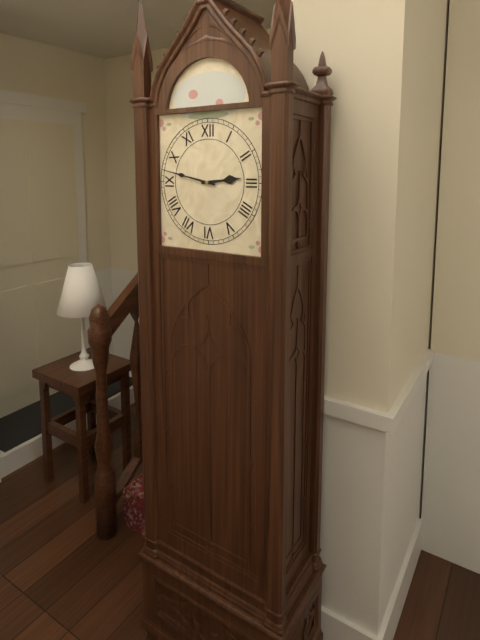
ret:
2:47
